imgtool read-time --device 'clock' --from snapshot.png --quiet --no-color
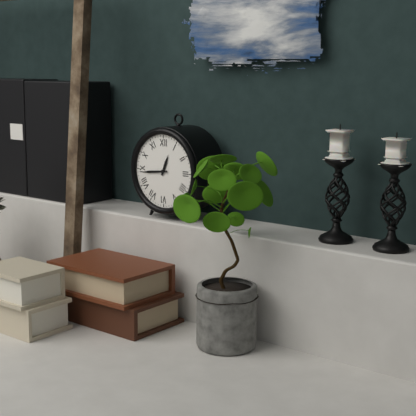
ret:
12:44
